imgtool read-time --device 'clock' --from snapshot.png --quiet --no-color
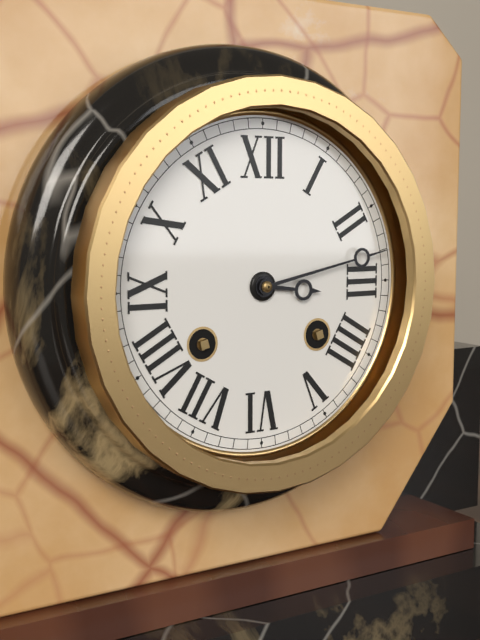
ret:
3:13
